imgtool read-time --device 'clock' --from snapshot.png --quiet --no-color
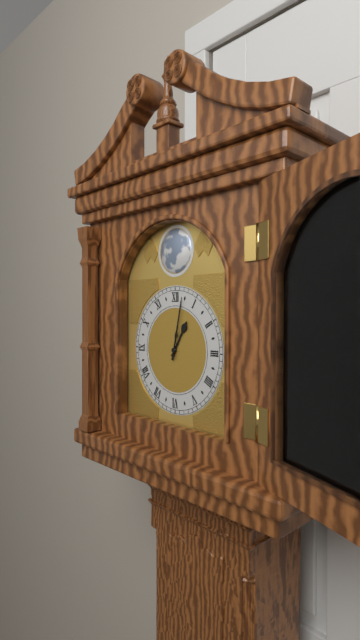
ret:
1:02
